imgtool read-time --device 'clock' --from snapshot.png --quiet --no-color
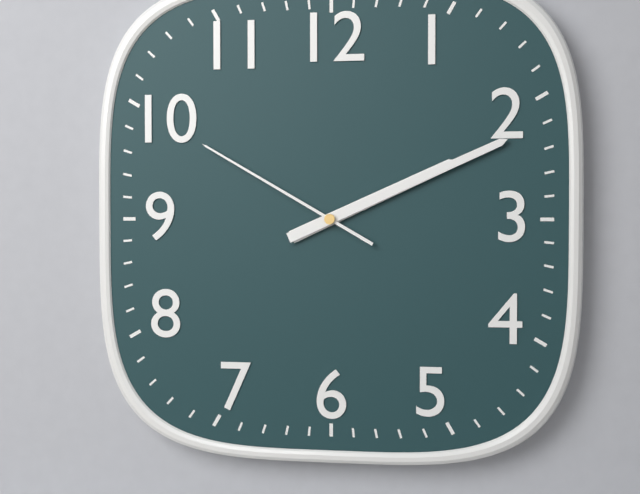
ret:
2:11:50
